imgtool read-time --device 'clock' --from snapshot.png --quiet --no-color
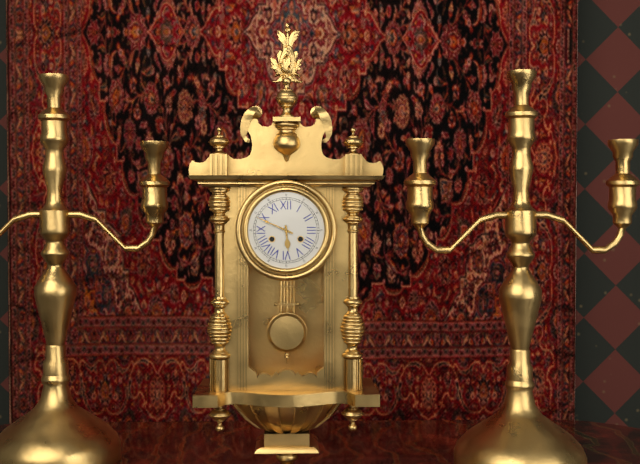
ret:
5:49
